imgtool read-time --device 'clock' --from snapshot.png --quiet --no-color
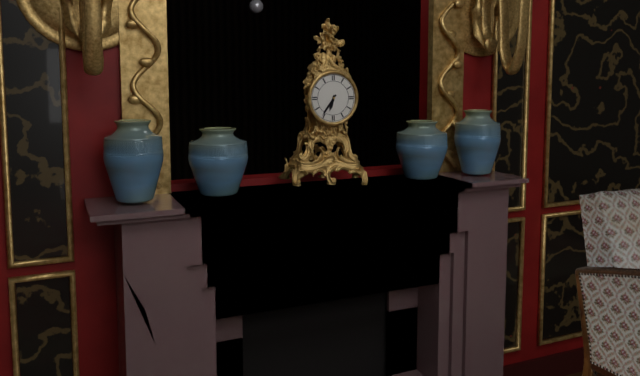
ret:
6:36
